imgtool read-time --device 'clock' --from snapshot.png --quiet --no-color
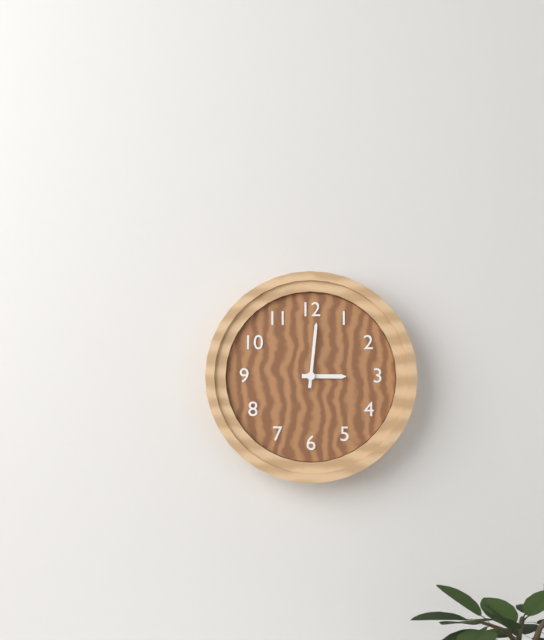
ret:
3:01
